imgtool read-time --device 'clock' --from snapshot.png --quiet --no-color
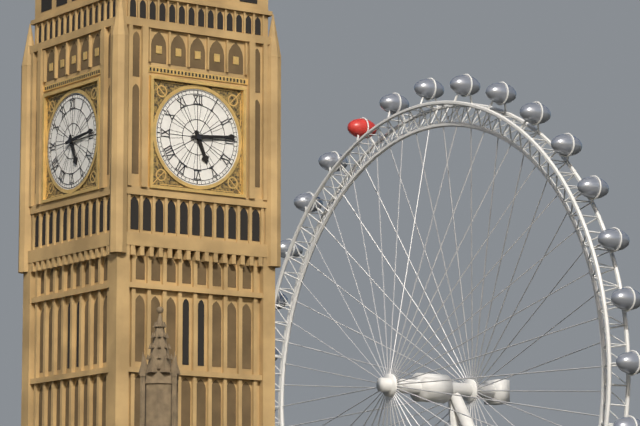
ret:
5:14
